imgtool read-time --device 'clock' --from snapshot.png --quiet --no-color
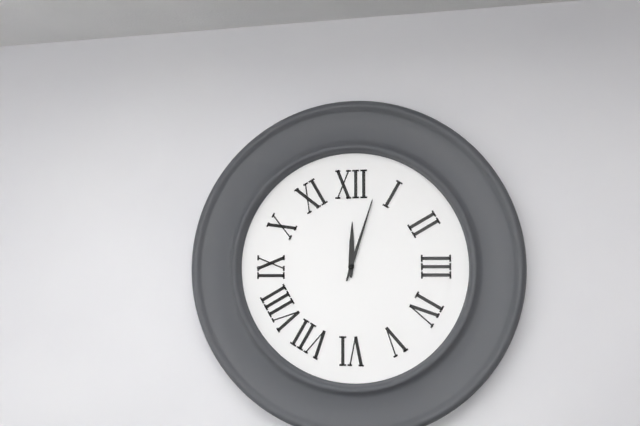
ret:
12:03
